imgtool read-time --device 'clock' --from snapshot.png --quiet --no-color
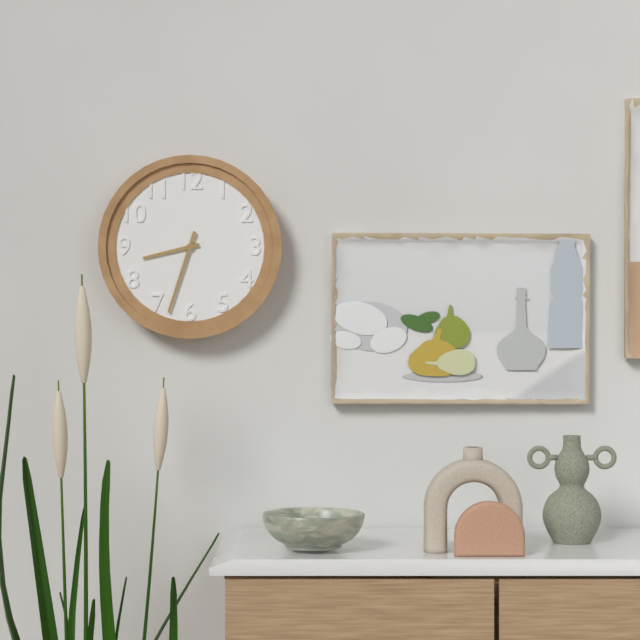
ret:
8:33
